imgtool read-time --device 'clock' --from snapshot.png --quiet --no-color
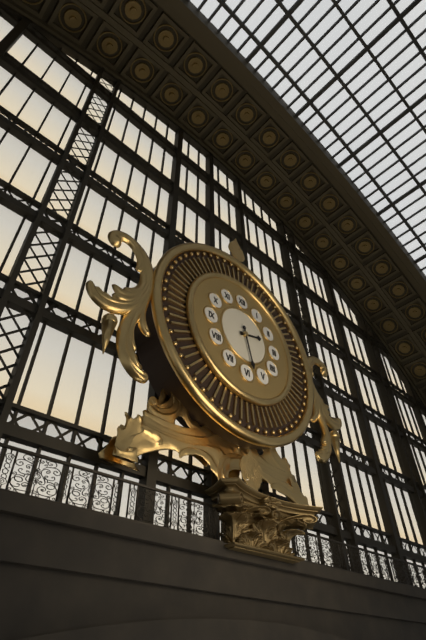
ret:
2:28
